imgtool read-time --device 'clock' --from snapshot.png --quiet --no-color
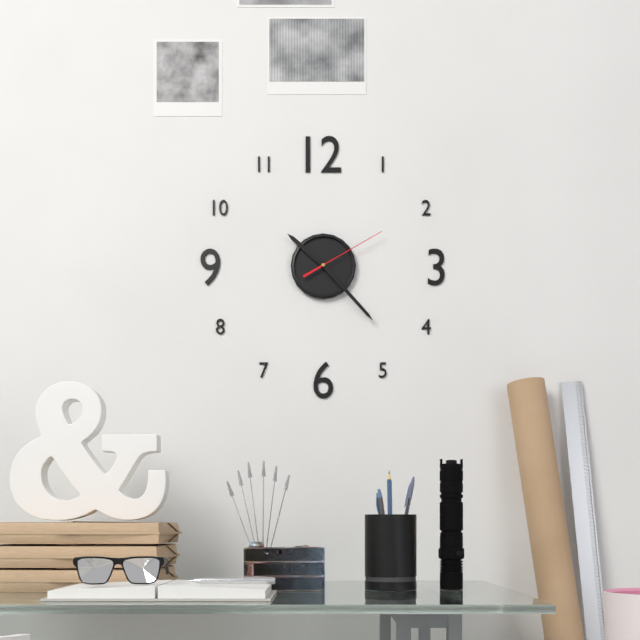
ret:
10:23:10
